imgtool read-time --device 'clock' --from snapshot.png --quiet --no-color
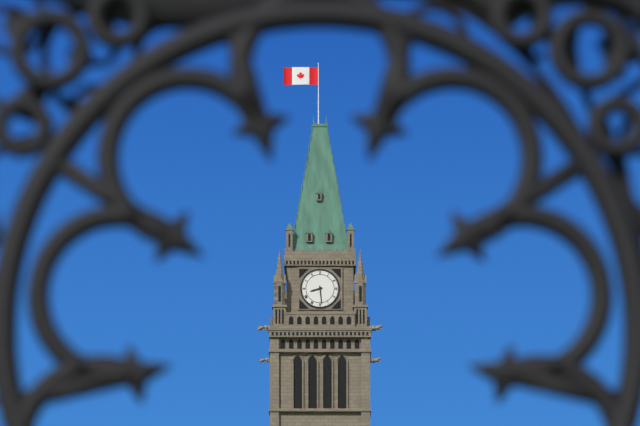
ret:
8:29
